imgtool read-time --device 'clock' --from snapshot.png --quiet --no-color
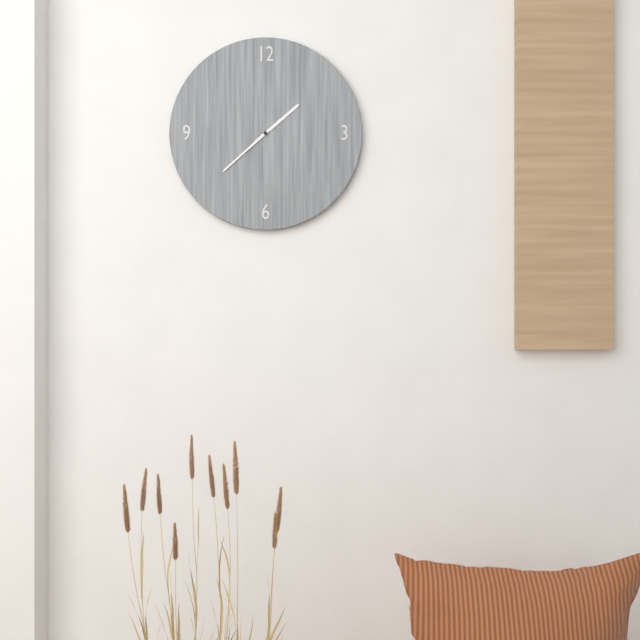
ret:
1:38
